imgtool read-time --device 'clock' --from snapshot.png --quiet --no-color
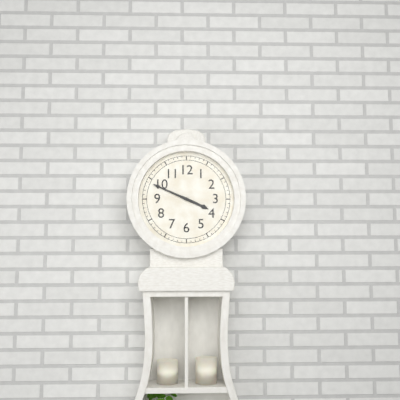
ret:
3:49
